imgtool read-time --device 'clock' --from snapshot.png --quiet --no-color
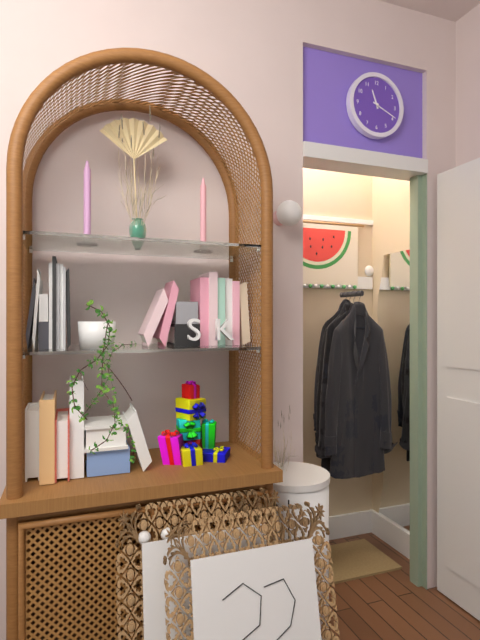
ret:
11:19
